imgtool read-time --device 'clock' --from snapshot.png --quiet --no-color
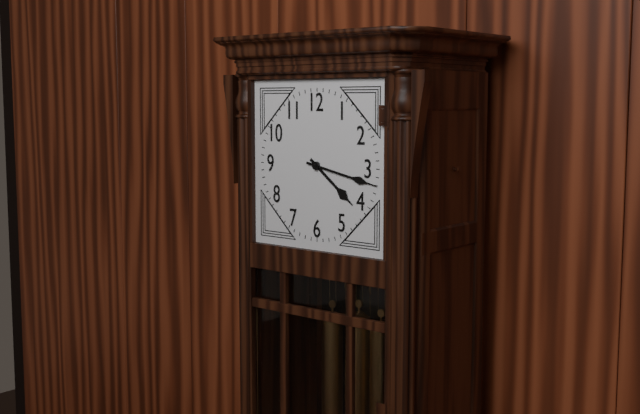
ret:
4:17
